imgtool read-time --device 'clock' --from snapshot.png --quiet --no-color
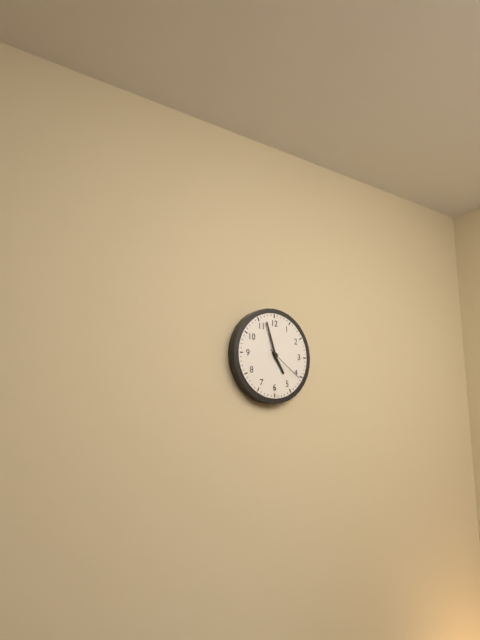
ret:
4:57
